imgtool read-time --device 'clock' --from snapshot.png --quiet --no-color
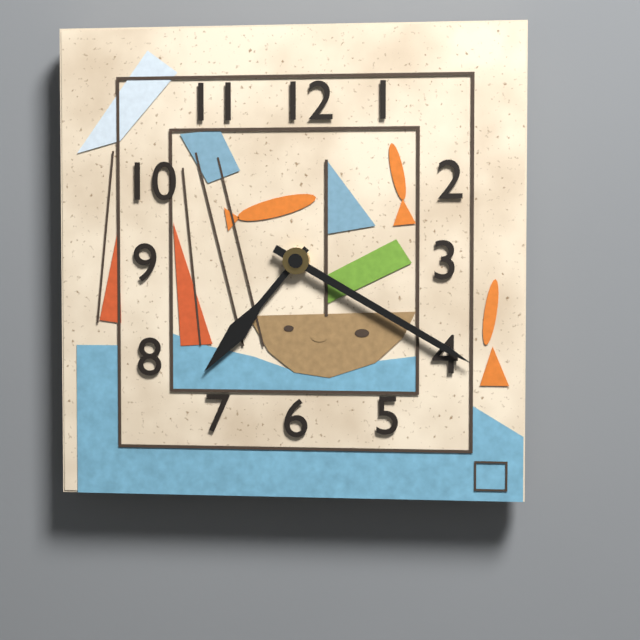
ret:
7:20
